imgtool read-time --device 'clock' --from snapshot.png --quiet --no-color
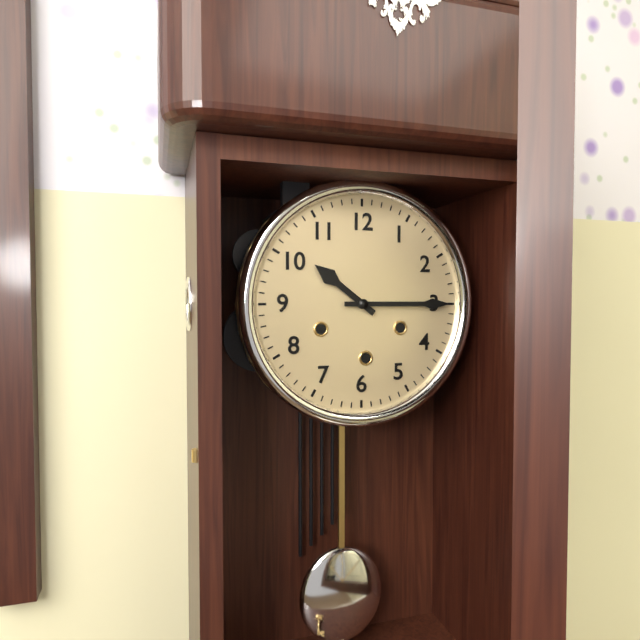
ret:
10:15
